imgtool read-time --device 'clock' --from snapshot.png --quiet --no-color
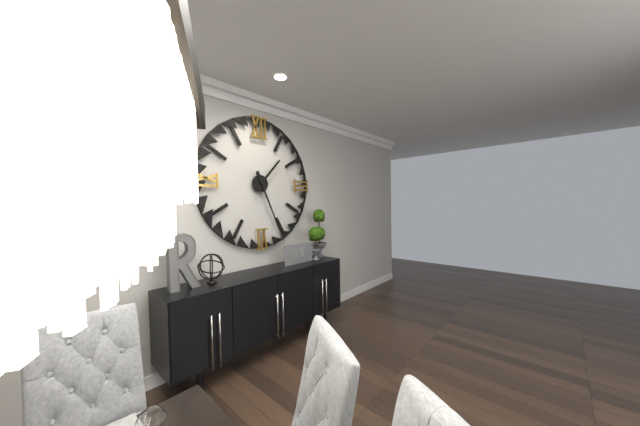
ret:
1:26
